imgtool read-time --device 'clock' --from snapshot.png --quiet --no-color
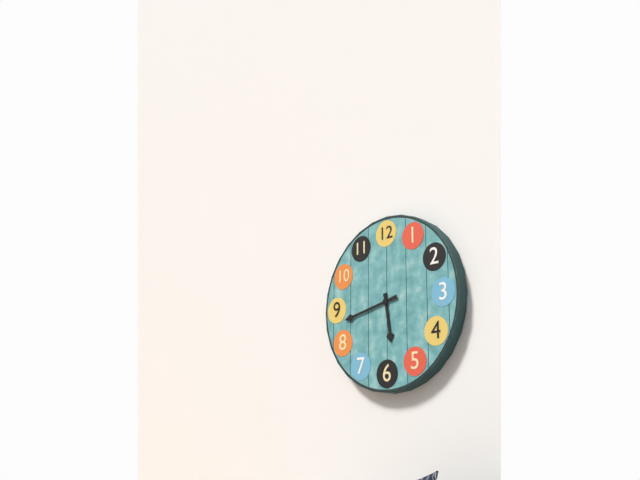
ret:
5:43
